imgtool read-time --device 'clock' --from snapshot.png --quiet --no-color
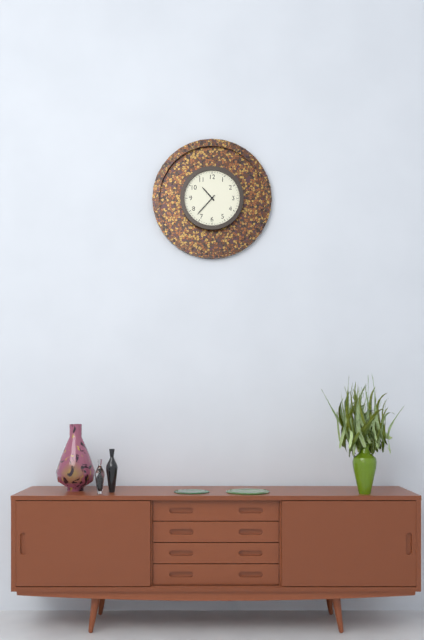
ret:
10:37
